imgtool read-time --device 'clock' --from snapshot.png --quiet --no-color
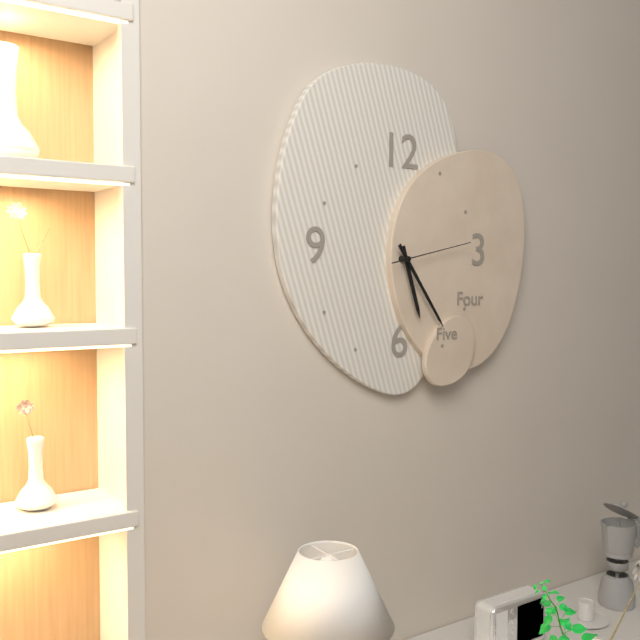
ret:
5:24:13
